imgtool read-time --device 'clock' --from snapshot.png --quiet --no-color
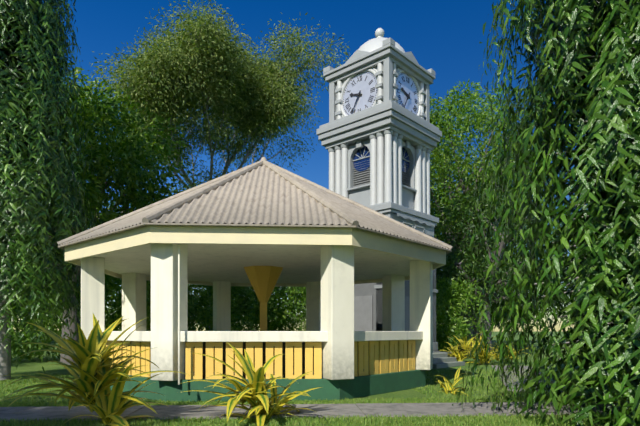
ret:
9:35
